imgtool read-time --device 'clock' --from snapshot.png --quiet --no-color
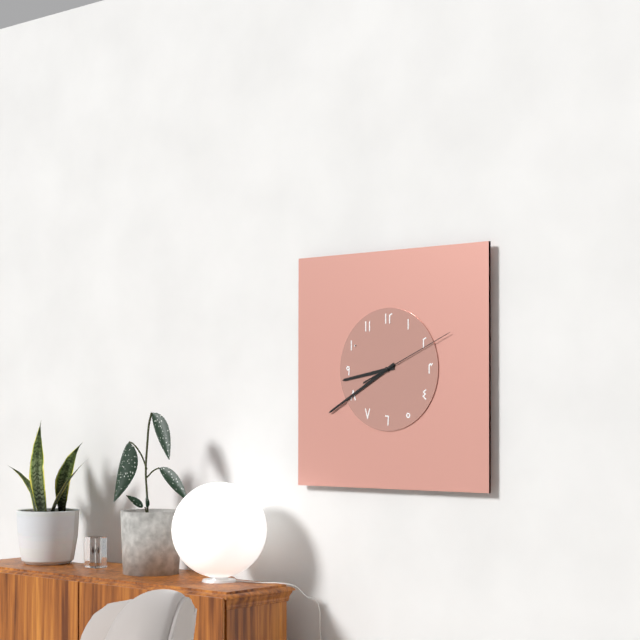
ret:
8:40:11
